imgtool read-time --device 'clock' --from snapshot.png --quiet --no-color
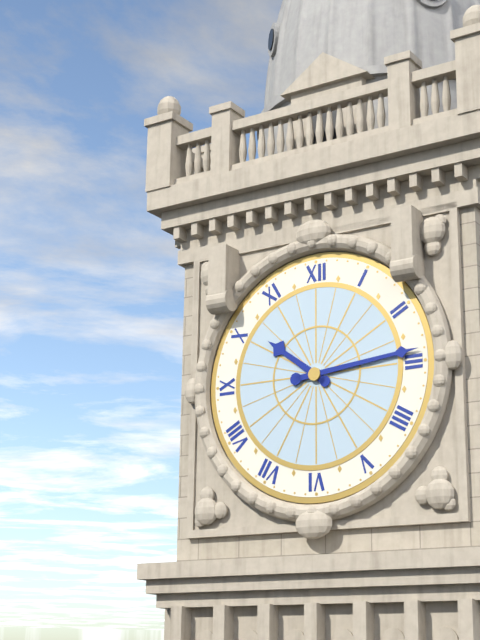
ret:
10:14
